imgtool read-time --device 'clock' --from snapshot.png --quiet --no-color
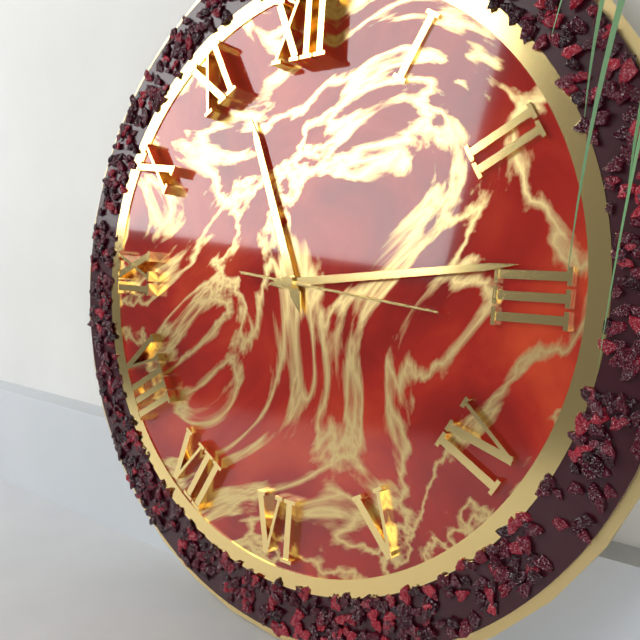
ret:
11:14:16
